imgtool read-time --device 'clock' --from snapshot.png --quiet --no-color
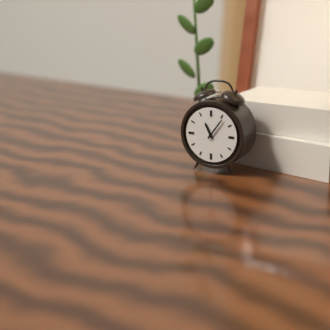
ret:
11:06
